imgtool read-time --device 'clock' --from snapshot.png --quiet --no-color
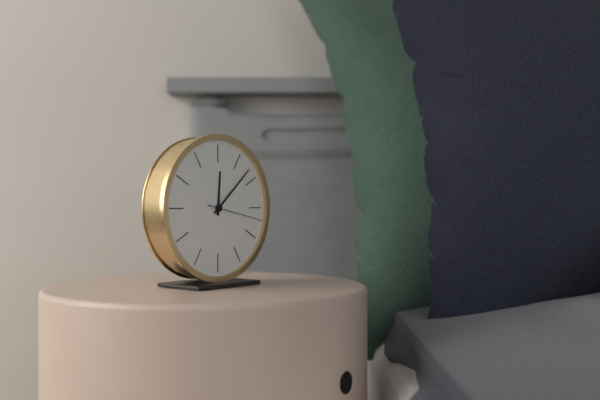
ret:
12:08:17
